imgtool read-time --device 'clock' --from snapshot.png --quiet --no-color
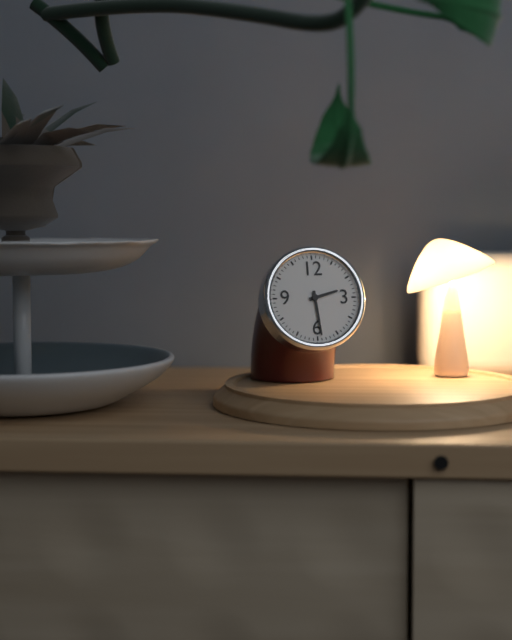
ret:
2:29
